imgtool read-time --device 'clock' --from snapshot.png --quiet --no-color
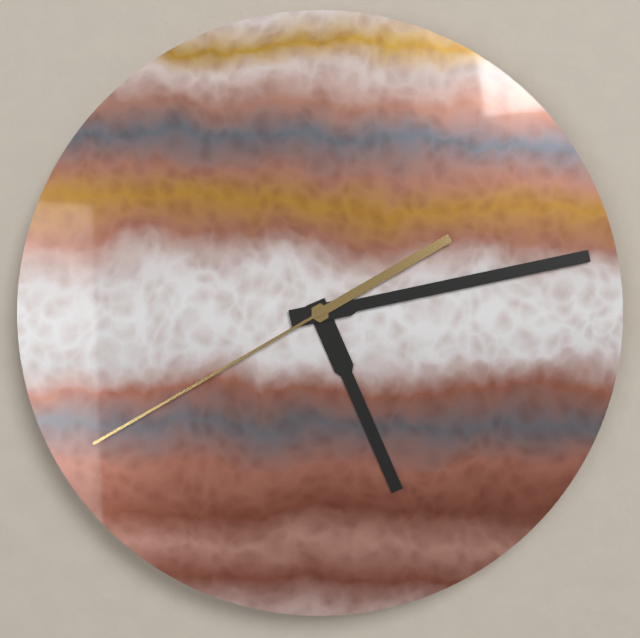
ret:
5:13:40
